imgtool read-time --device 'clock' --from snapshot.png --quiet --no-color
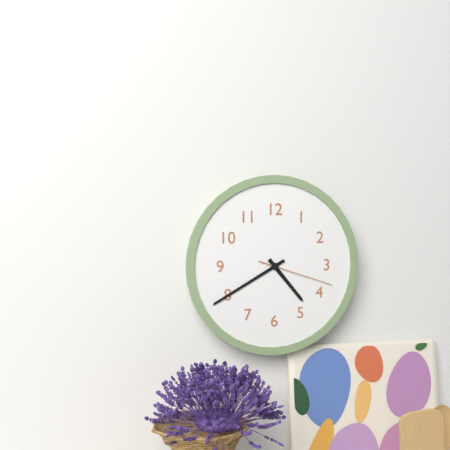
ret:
4:40:18
